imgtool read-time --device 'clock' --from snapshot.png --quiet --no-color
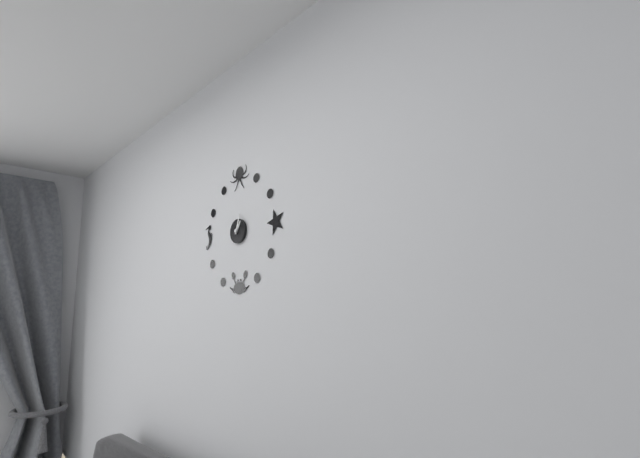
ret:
1:03
